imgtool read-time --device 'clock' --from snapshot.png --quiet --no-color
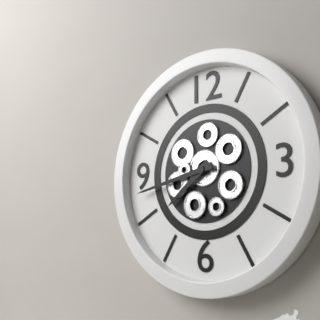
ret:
7:43
